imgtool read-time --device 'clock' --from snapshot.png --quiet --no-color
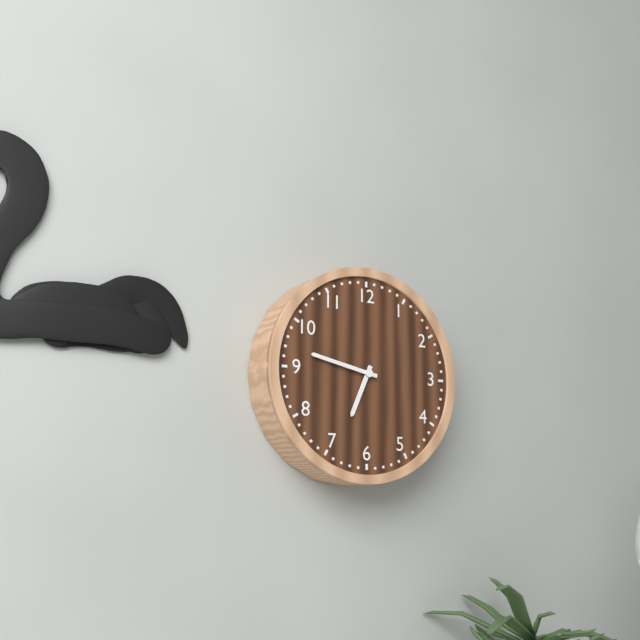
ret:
6:47
